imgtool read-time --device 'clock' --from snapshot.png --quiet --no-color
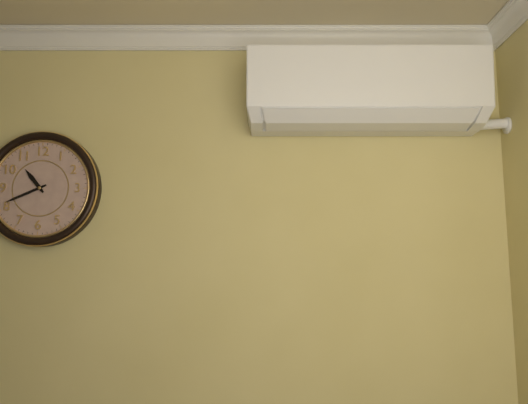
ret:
10:41
